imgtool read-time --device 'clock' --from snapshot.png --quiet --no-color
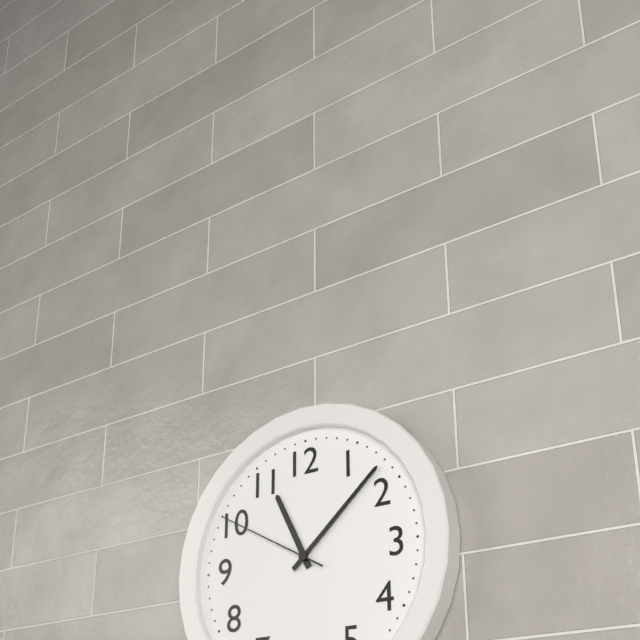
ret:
11:08:50
